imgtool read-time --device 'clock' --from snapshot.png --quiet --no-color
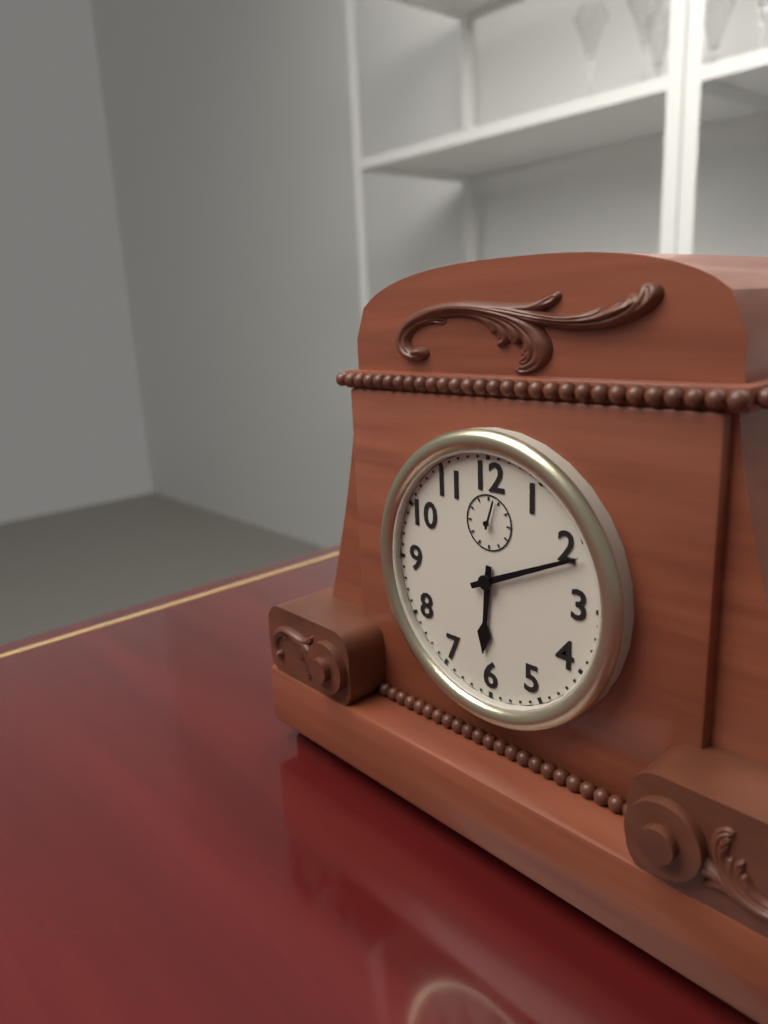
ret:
6:11
